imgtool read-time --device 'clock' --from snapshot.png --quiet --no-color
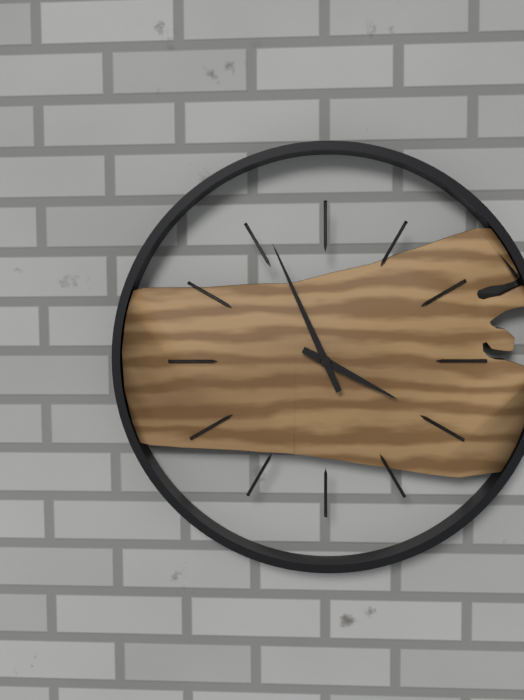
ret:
3:56
